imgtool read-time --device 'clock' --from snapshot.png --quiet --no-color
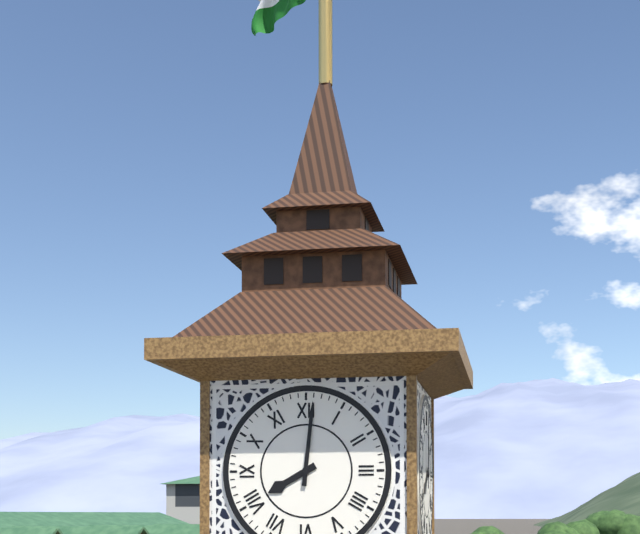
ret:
8:01
